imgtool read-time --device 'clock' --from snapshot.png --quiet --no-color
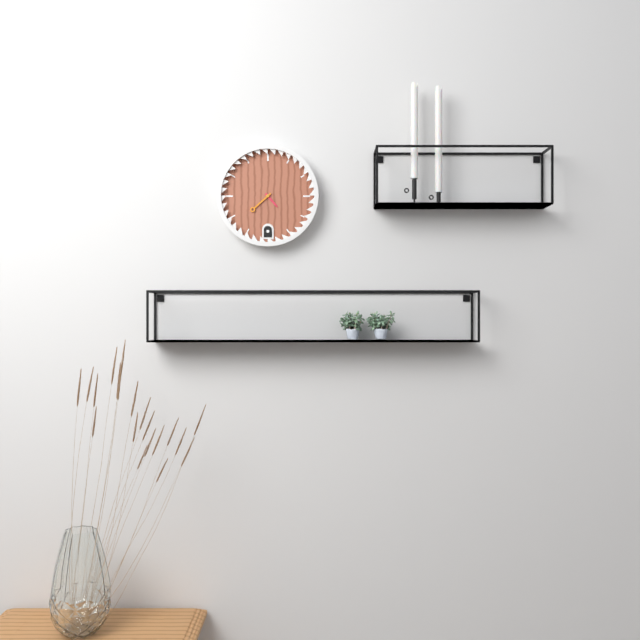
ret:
4:38
